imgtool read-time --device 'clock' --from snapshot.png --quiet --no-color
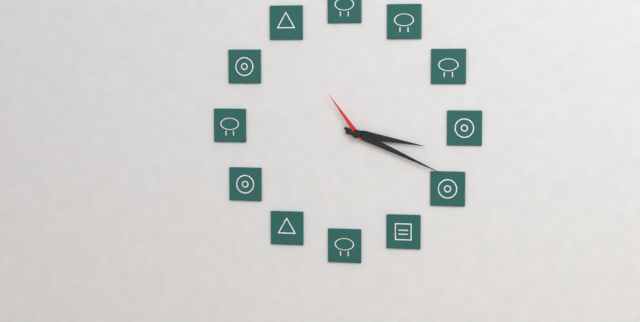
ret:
3:19:54
